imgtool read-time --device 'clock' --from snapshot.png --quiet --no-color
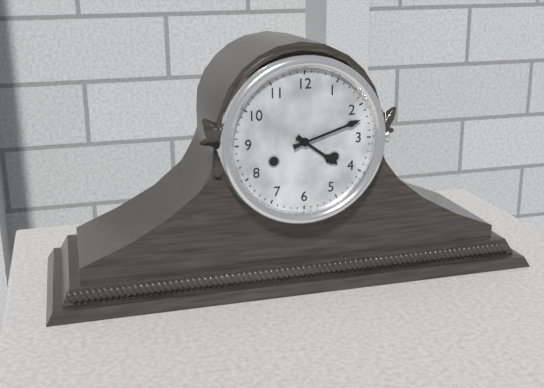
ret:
4:12
